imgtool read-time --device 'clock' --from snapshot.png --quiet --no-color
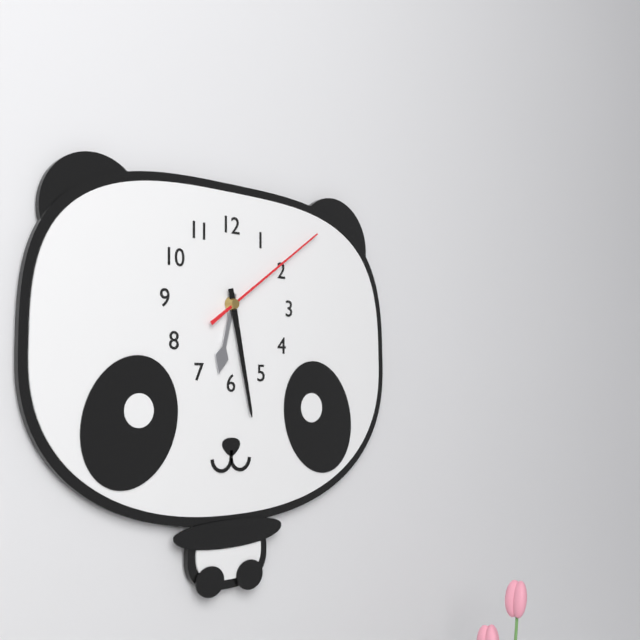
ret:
6:28:09
